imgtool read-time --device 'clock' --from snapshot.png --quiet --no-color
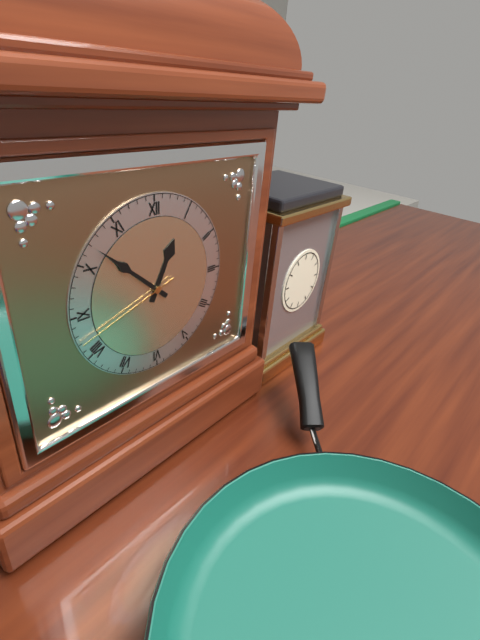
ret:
12:52:42
